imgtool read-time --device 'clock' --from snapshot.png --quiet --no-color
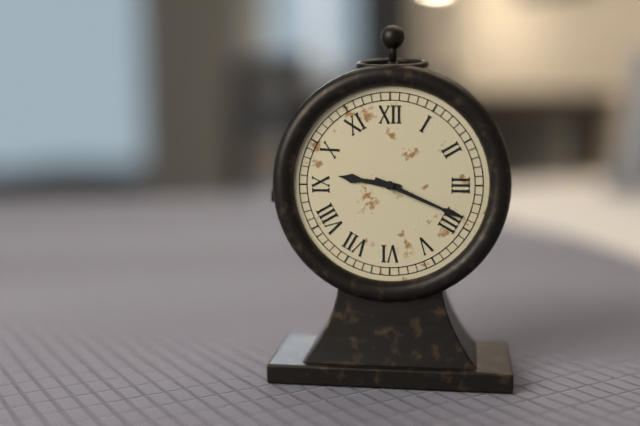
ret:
9:19
